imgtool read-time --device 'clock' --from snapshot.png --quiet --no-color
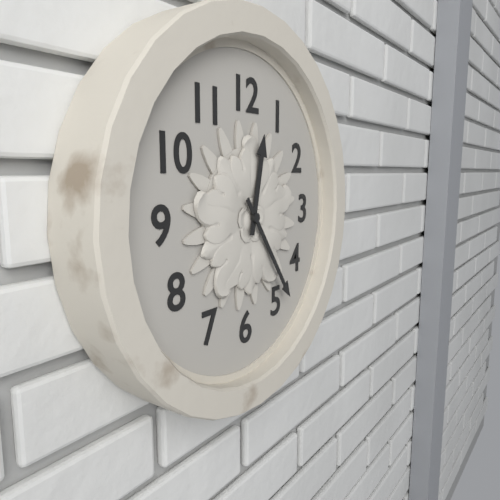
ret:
12:24
